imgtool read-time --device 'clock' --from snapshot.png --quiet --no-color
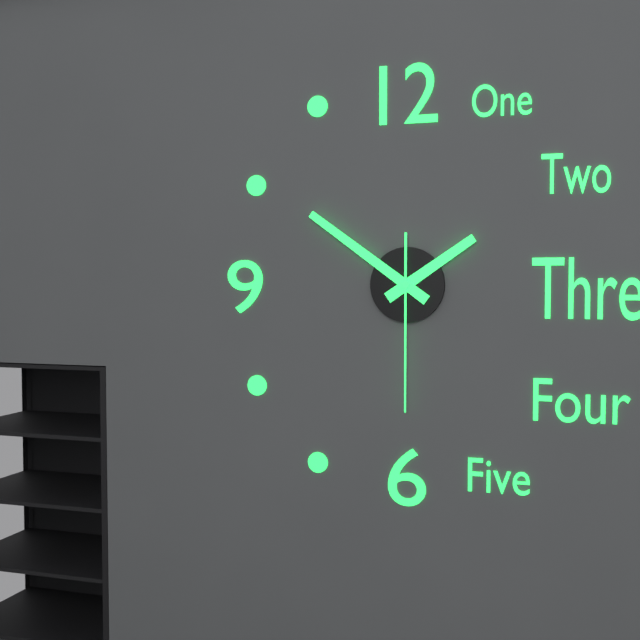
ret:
1:51:30
